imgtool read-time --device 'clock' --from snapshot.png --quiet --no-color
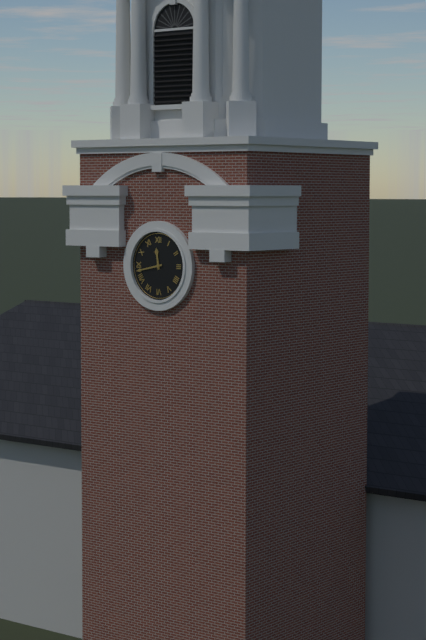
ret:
11:43
